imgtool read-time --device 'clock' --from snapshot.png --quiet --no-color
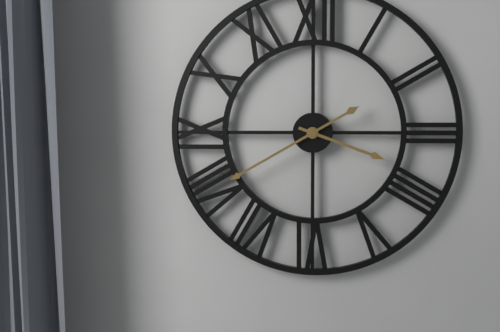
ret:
3:40
